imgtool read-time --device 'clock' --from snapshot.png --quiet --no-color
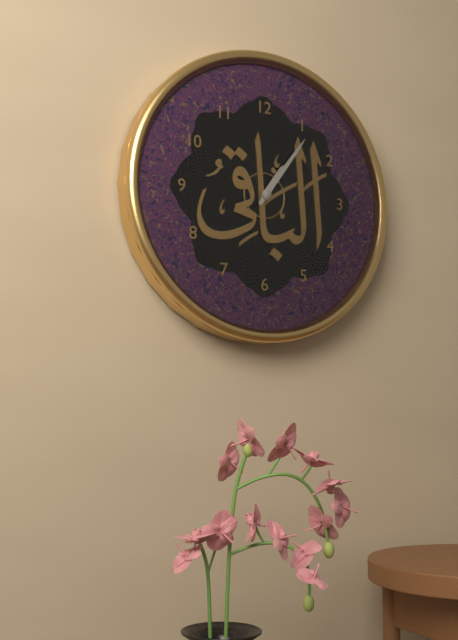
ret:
1:06
